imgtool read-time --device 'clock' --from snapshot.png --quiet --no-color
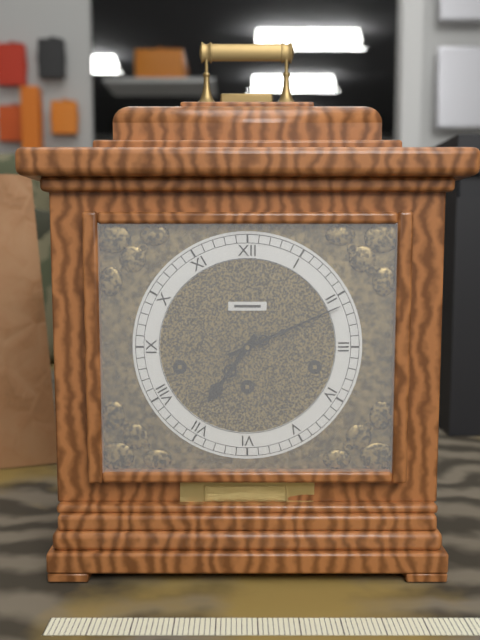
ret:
7:11
